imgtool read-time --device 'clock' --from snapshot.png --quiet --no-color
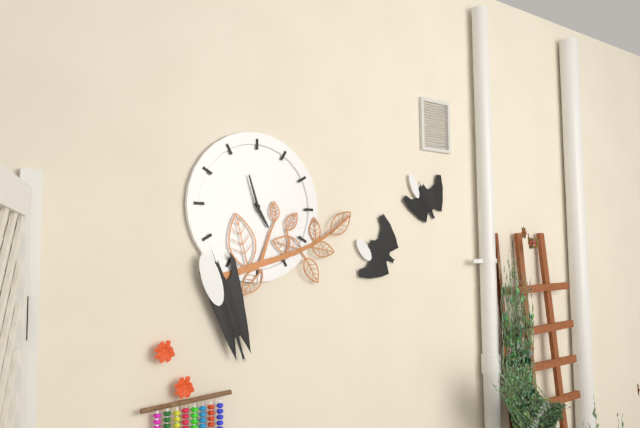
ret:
4:57
